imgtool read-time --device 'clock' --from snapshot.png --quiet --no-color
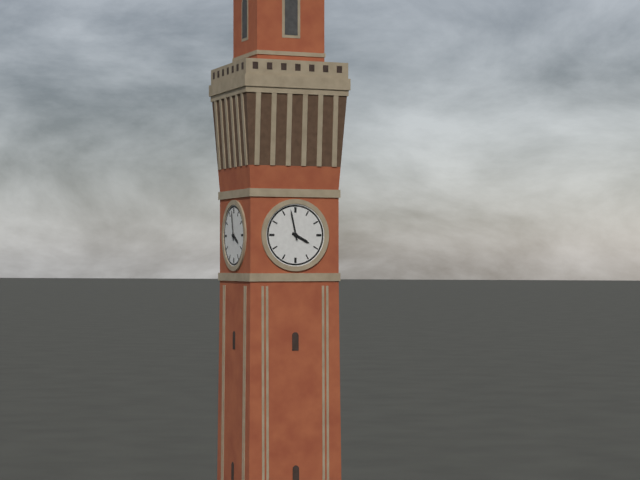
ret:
3:58
